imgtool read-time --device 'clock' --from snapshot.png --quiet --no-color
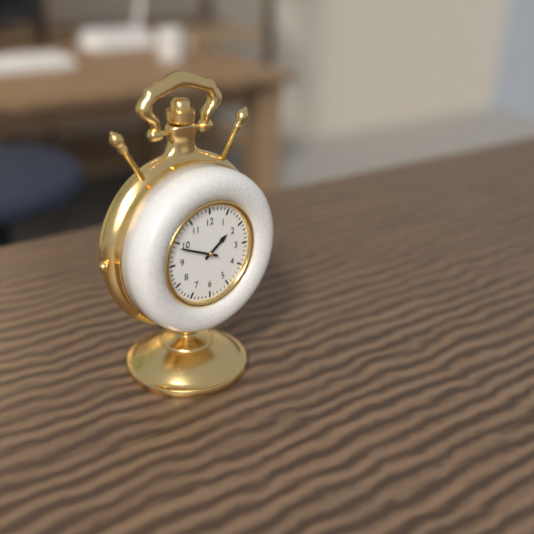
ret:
1:49
